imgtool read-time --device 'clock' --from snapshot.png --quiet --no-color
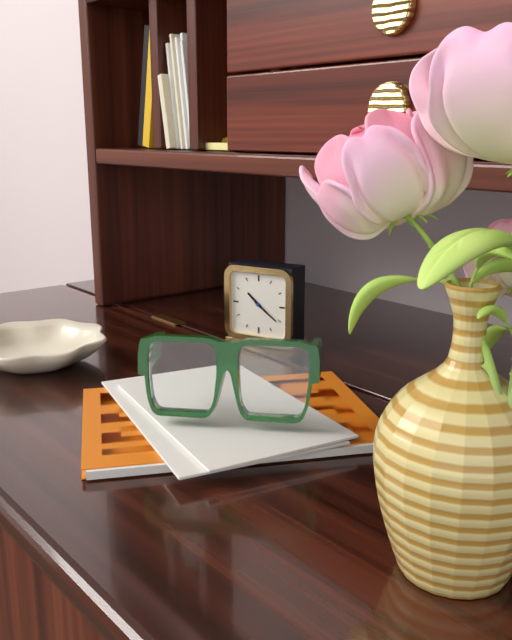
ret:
10:21
